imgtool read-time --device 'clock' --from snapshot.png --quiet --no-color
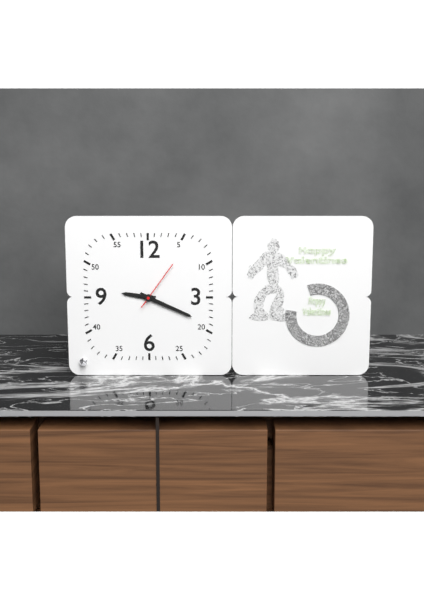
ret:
9:19:06
